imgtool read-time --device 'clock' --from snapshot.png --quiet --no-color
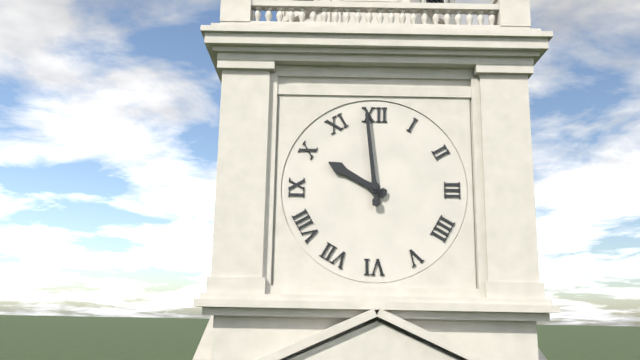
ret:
9:59
